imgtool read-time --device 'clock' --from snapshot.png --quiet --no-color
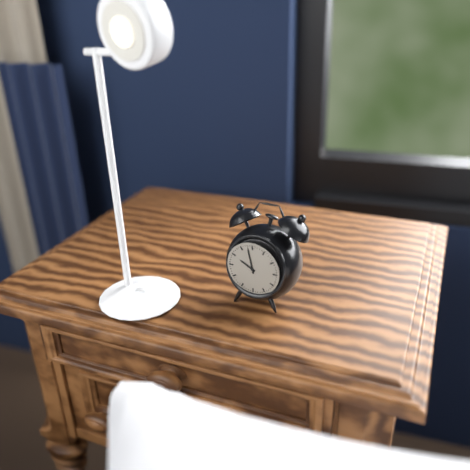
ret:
9:58
